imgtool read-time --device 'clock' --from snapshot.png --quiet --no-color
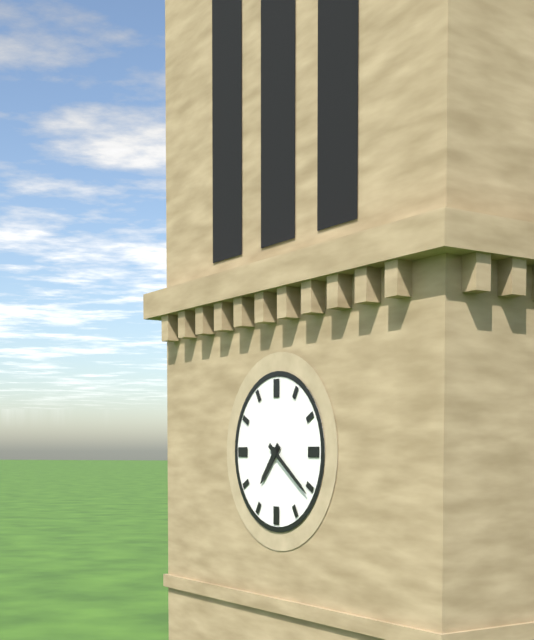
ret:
7:21
